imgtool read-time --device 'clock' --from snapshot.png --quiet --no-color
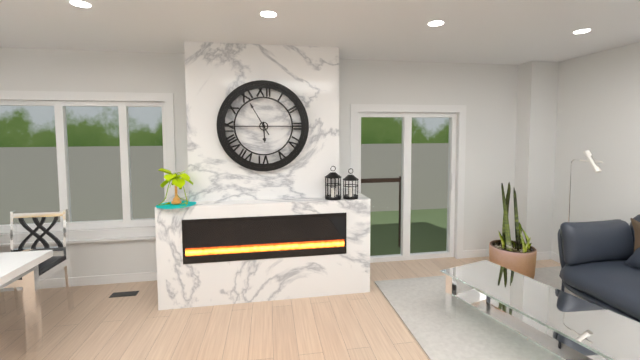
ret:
5:55
